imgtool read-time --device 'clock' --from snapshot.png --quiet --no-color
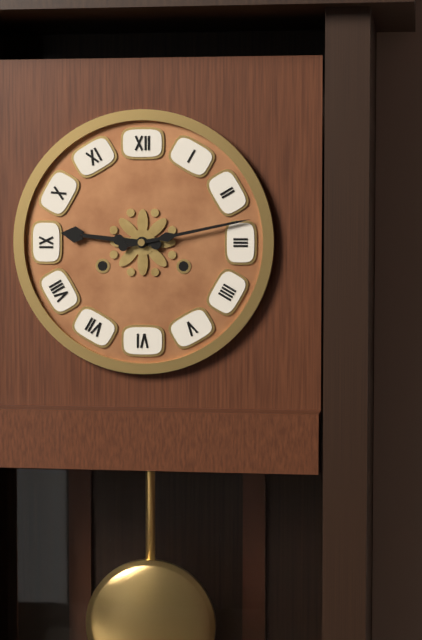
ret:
9:13
